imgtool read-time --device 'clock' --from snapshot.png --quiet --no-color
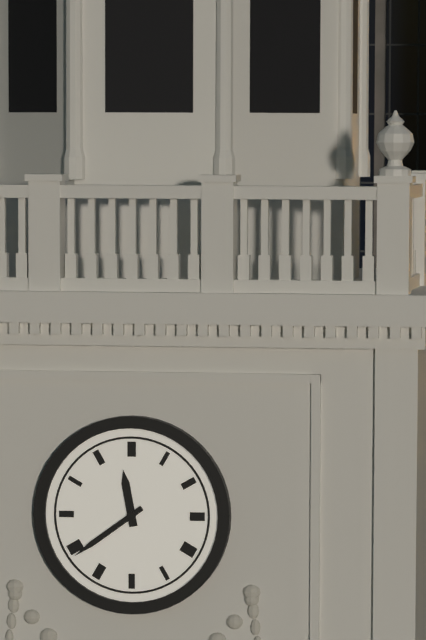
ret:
11:39
